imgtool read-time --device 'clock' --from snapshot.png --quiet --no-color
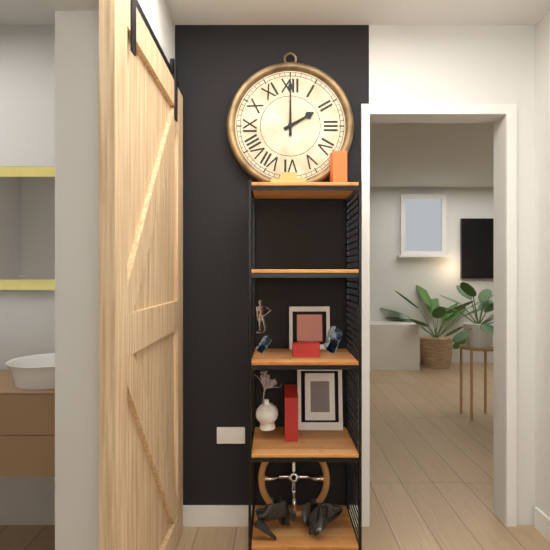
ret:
2:00
